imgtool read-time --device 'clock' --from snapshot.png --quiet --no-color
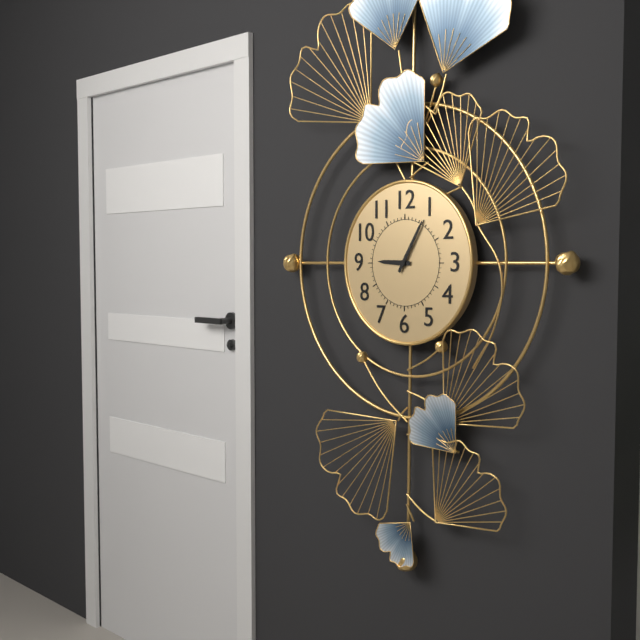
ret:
9:05
